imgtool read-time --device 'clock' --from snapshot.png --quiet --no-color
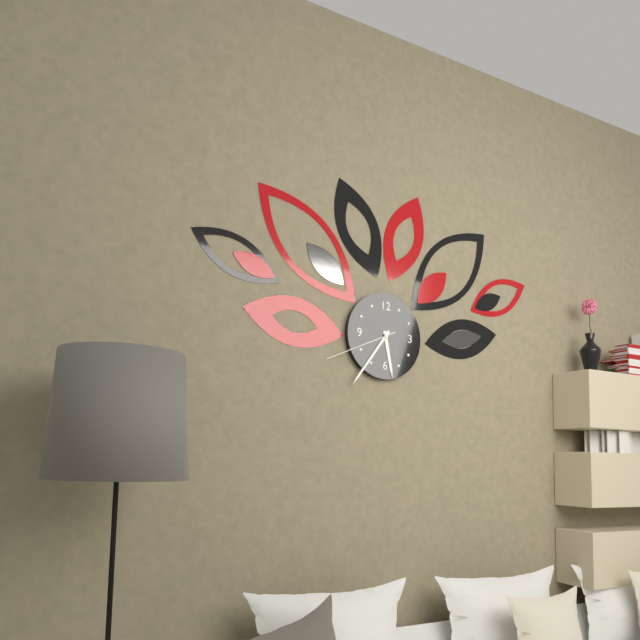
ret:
5:36:41
